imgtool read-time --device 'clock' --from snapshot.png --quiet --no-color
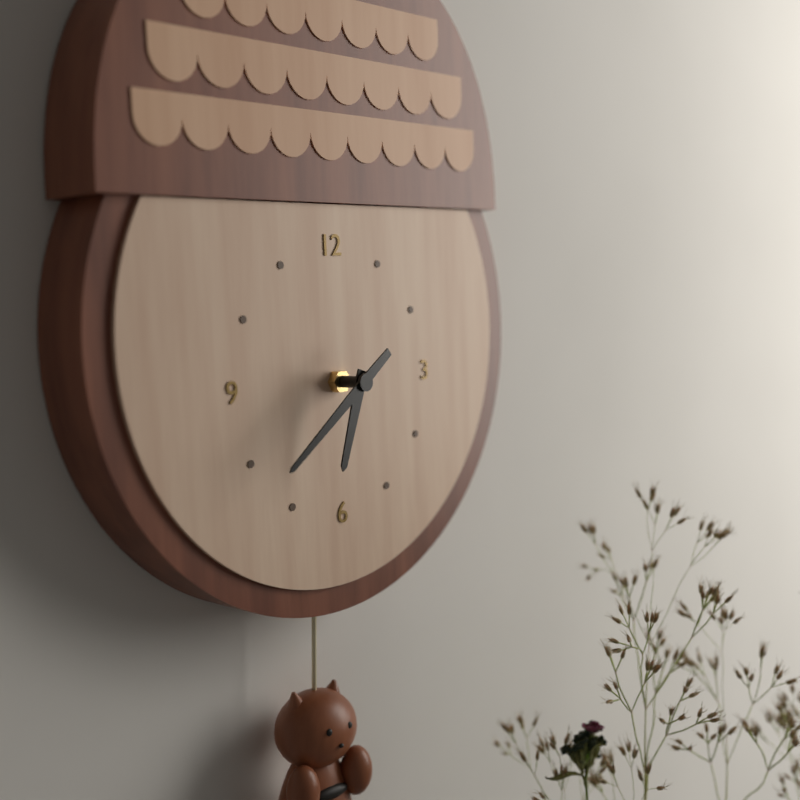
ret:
6:39
